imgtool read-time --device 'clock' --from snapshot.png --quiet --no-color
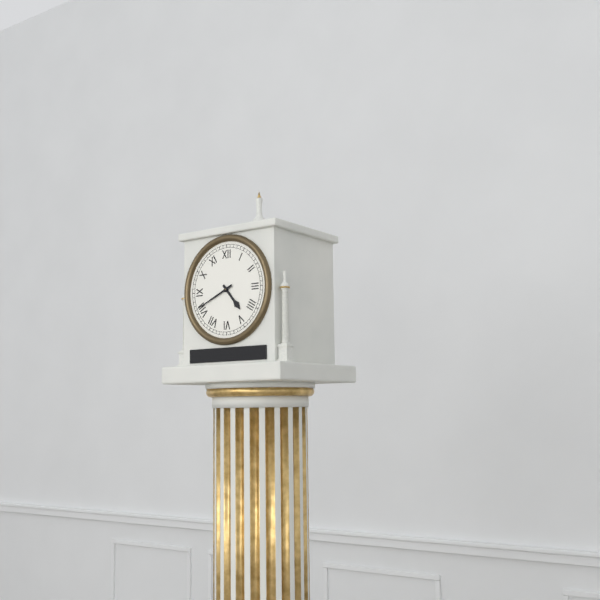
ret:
4:41
